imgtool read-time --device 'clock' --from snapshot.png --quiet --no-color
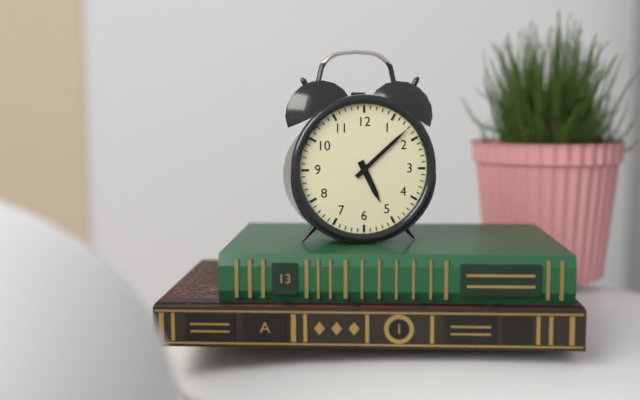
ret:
5:08
